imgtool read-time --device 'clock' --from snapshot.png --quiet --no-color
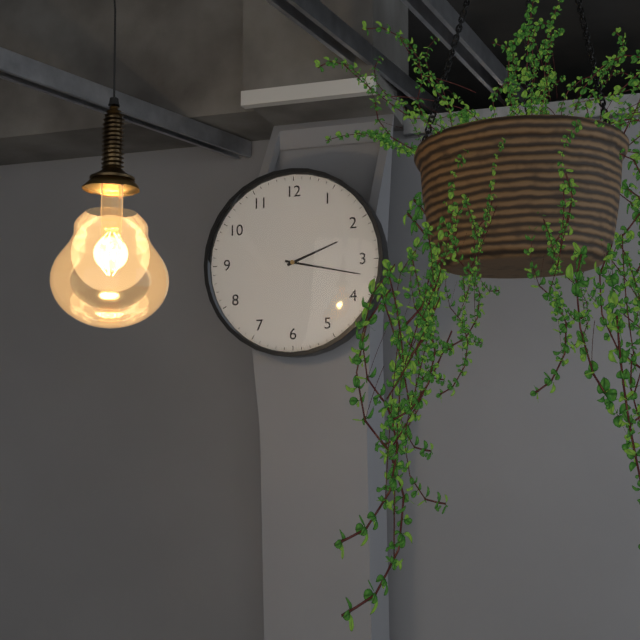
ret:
2:17
